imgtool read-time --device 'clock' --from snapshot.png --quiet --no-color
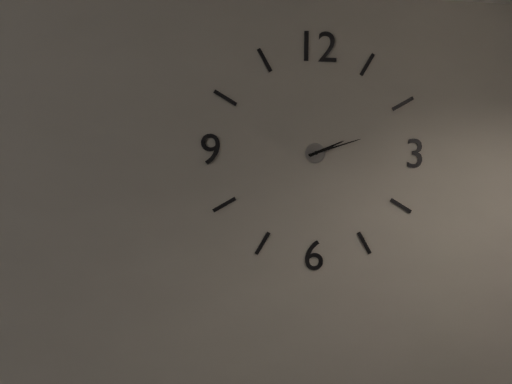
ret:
2:12
